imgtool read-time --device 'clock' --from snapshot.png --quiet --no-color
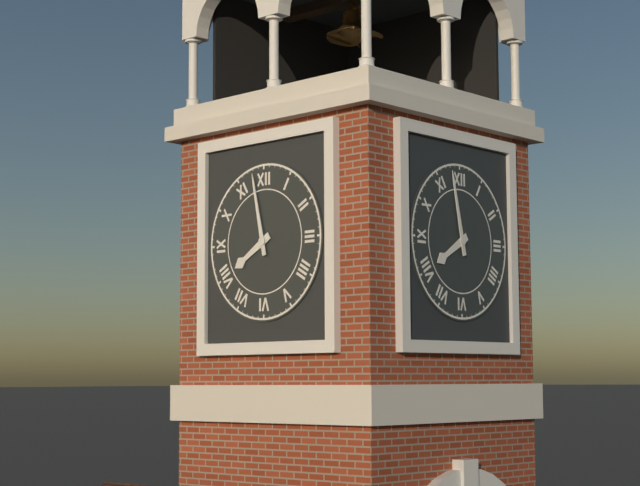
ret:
7:58
